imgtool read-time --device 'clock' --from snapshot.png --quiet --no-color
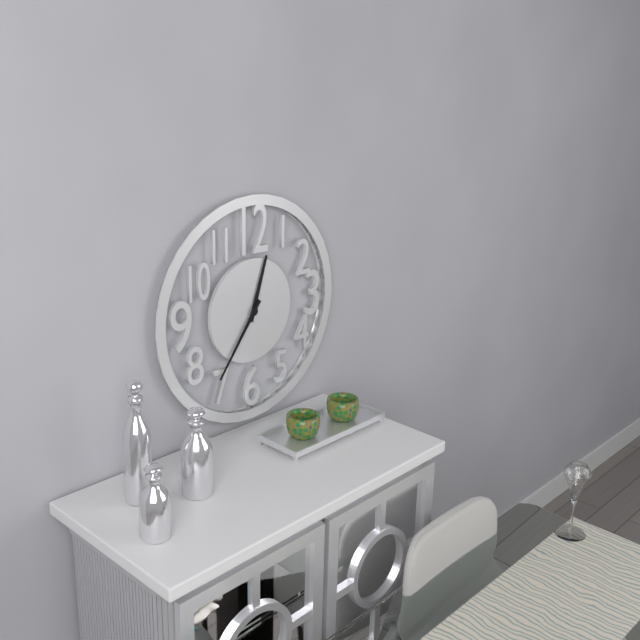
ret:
12:36
